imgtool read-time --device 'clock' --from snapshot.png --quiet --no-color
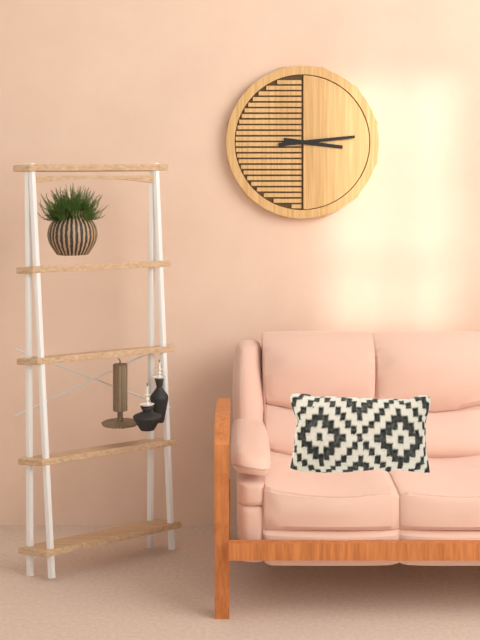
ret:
3:14
